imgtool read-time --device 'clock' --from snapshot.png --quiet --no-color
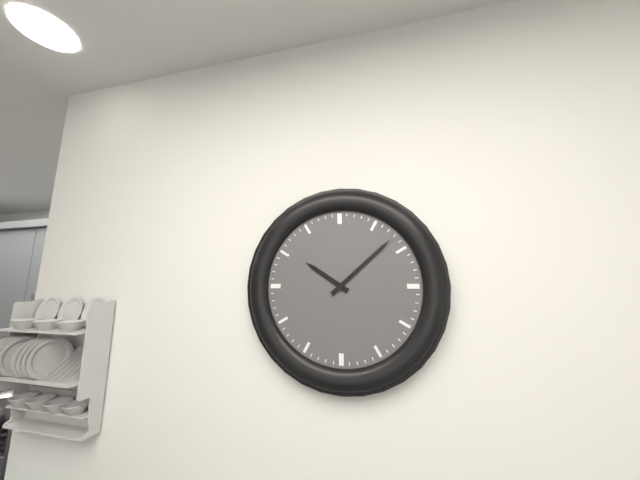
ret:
10:08
